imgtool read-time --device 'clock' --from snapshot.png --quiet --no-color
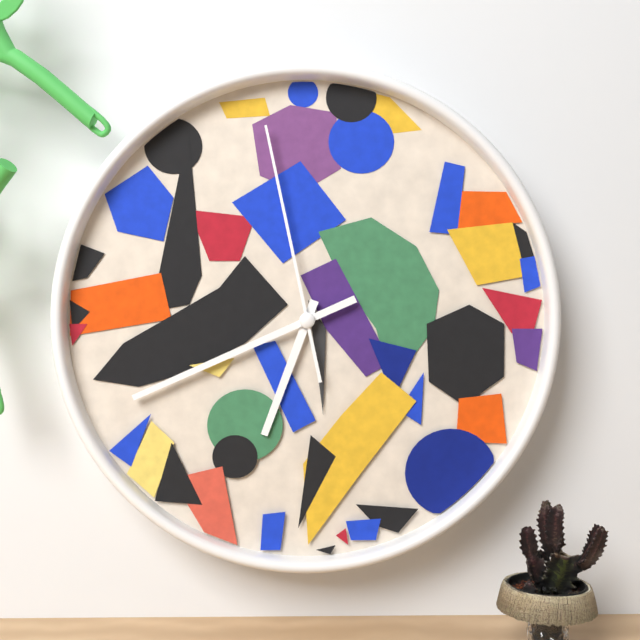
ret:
6:41:58
